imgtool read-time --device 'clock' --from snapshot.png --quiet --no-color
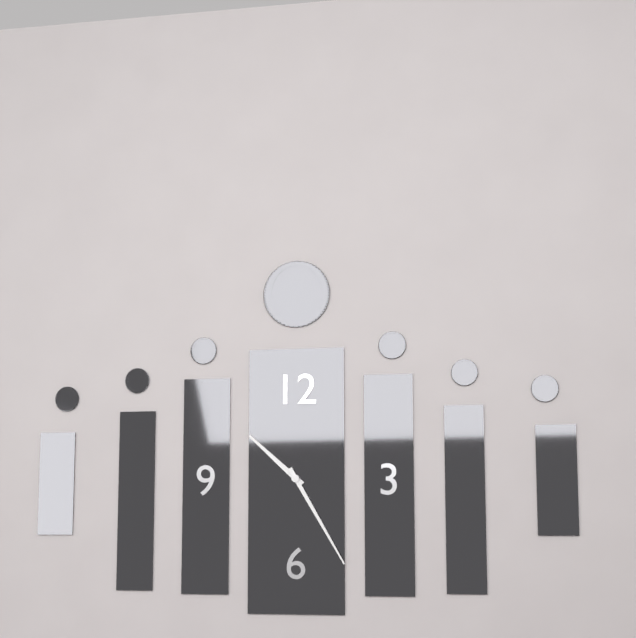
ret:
10:25
